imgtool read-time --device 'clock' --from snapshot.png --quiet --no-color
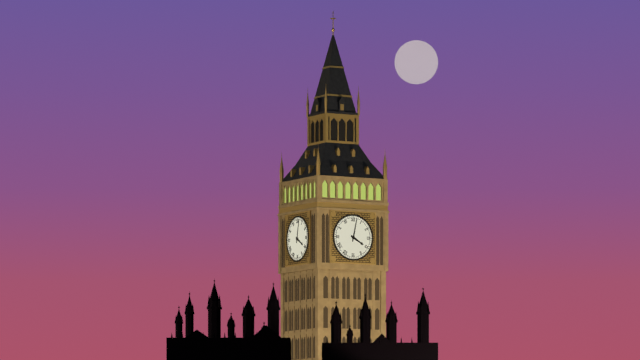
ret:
4:02
